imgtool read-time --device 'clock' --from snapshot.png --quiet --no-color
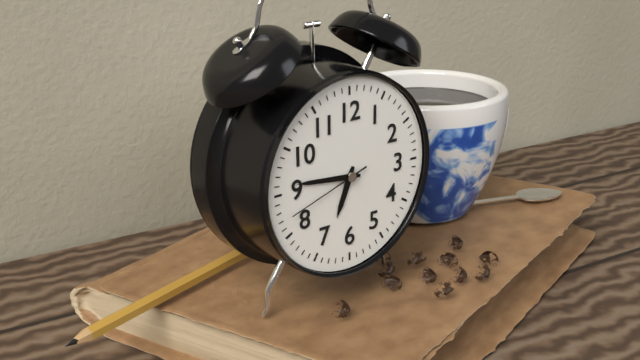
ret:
6:46:42
